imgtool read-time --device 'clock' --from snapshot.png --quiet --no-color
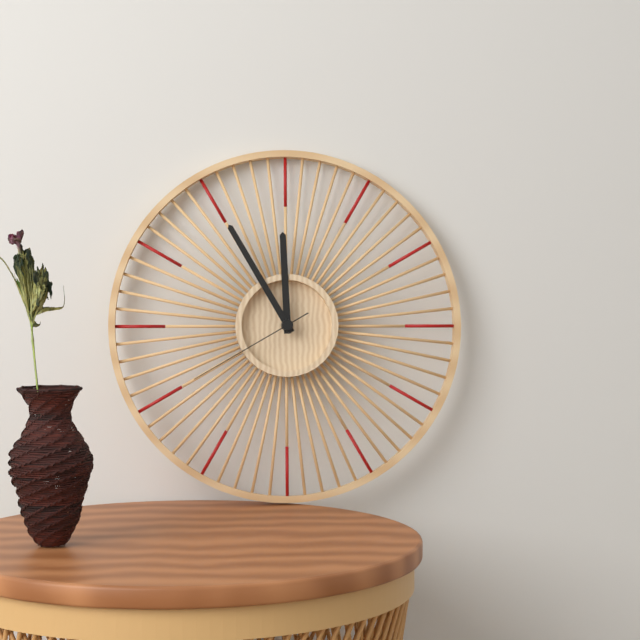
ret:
11:55:40
